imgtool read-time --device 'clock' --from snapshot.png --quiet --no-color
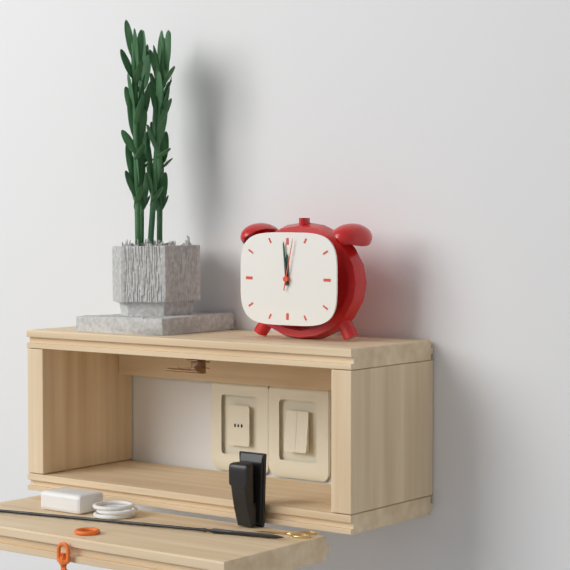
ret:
11:59:02
